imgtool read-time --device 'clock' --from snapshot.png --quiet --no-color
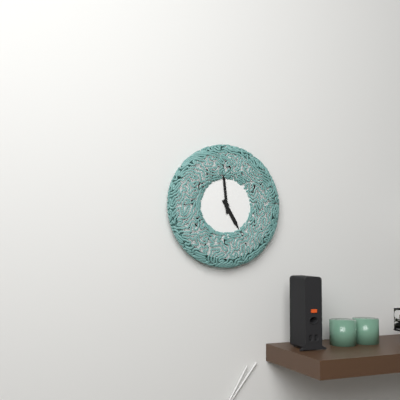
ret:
4:59
